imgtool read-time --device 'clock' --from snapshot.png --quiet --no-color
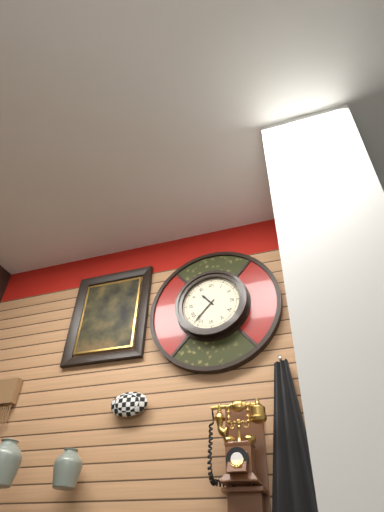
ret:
10:37
